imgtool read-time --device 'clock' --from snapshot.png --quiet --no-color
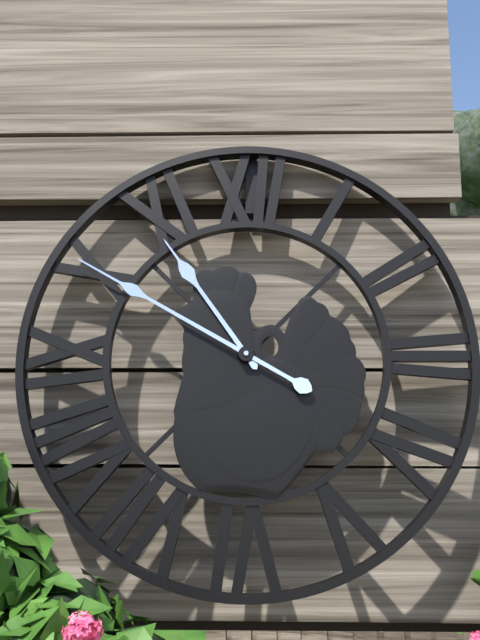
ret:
10:50
